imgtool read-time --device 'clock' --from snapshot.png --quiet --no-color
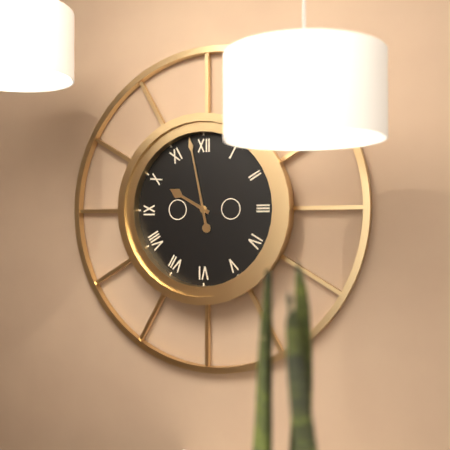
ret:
9:58
